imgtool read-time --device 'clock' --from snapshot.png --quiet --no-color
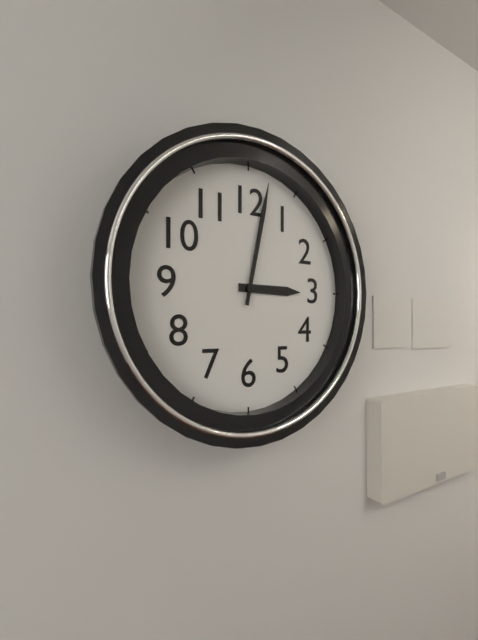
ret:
3:02
